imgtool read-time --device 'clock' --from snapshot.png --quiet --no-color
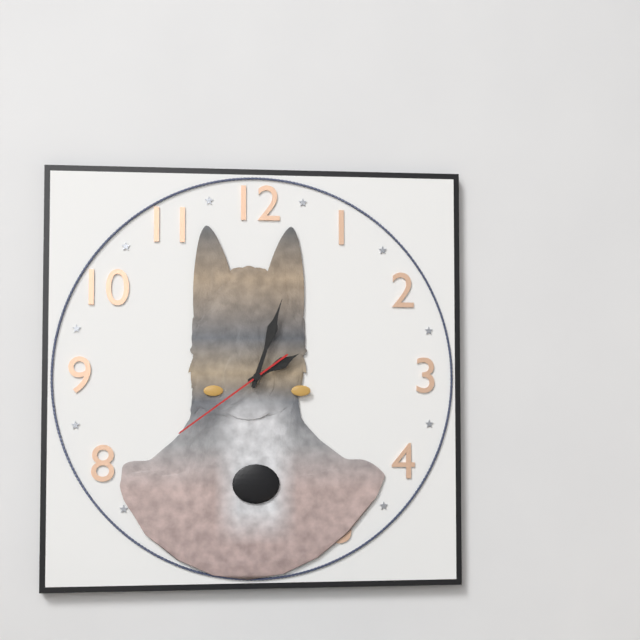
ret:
2:03:39
